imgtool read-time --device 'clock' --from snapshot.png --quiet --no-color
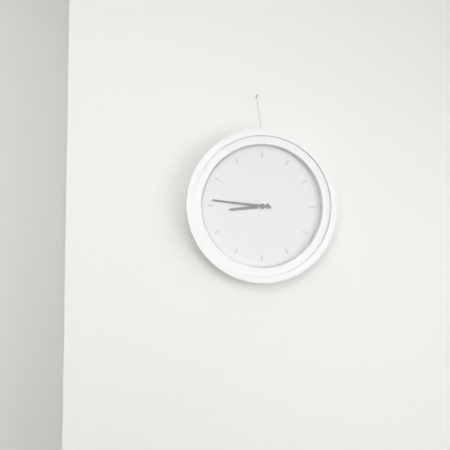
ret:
8:46
